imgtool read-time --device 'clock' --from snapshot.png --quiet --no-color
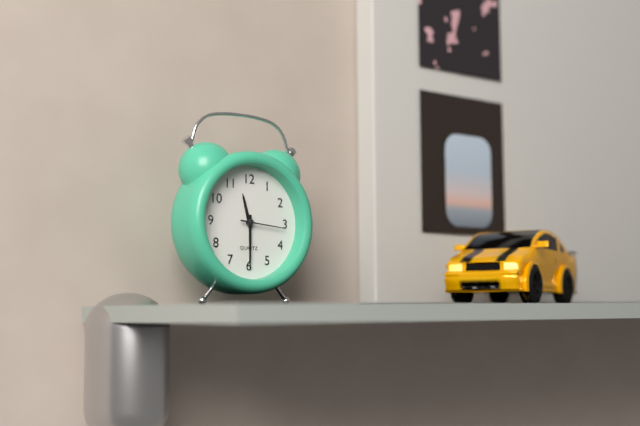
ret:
11:30
